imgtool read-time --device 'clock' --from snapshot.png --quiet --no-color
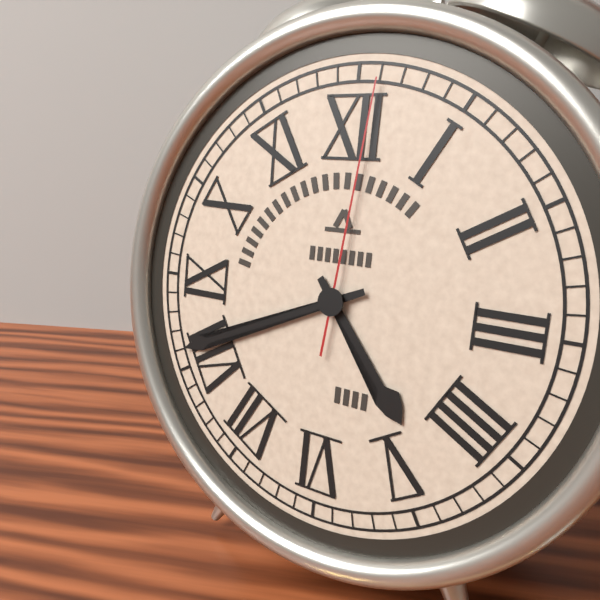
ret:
4:41:01
